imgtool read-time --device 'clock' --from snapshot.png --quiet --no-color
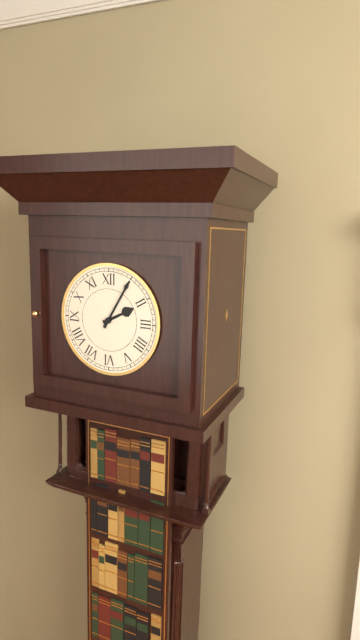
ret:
2:05
